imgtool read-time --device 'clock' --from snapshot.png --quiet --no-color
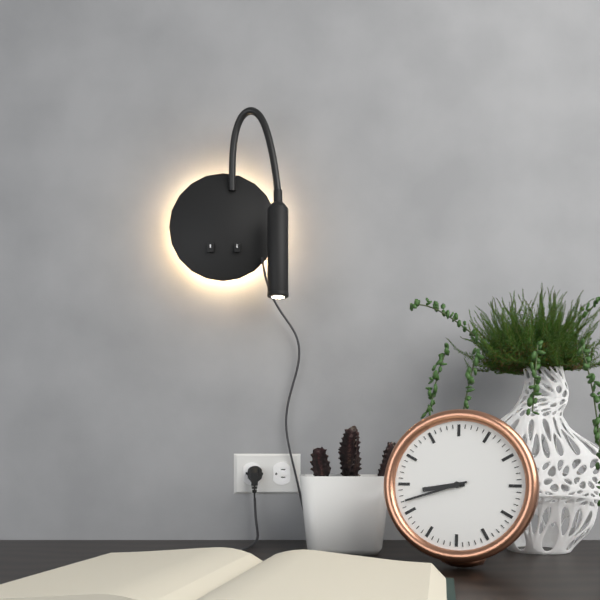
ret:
8:42
